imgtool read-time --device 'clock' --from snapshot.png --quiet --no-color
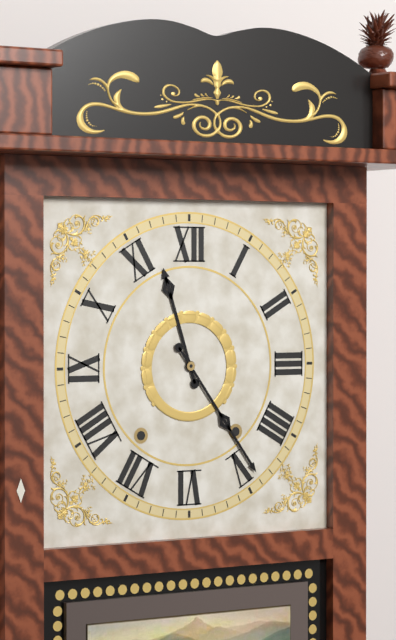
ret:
11:24
